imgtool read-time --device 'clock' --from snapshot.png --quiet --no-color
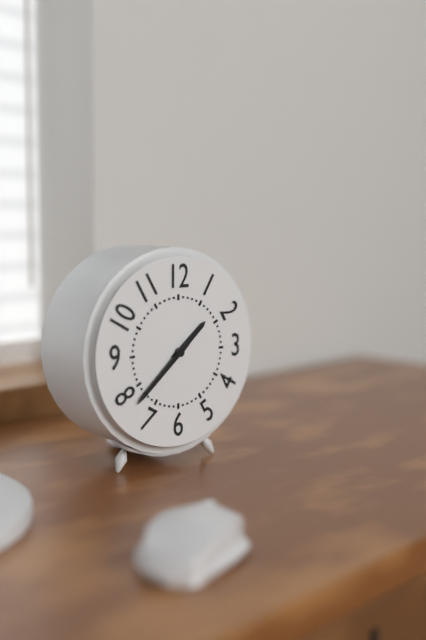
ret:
1:38
